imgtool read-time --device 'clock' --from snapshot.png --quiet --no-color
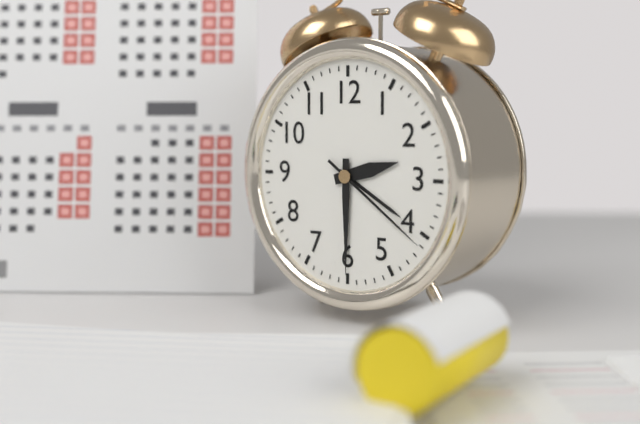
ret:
2:30:21
